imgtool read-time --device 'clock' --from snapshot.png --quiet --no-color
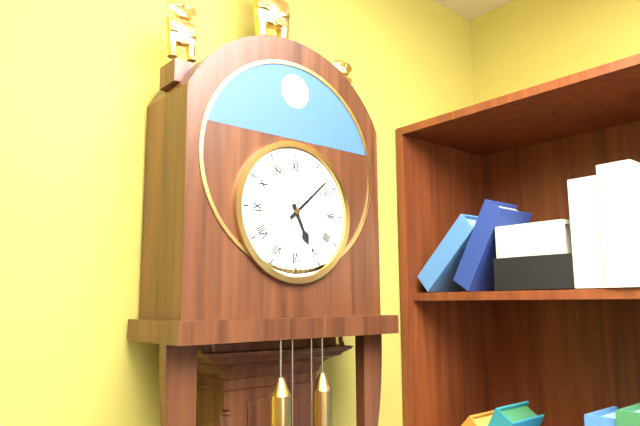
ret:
5:08
